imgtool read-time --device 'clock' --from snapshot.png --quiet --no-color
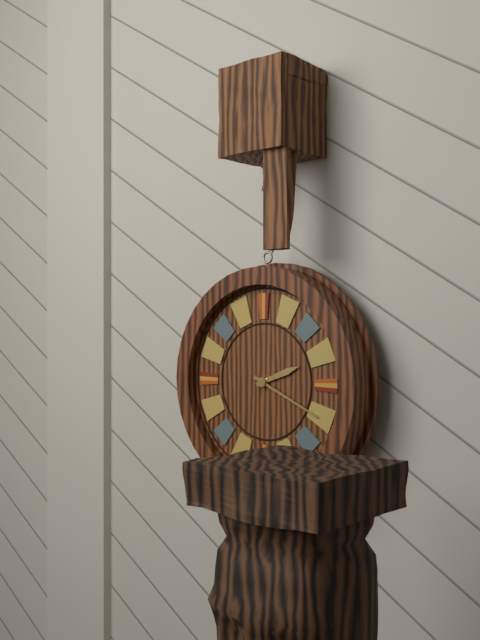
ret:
2:19
